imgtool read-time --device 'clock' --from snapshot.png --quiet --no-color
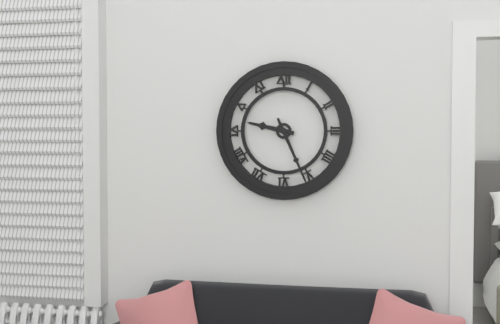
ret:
9:26
